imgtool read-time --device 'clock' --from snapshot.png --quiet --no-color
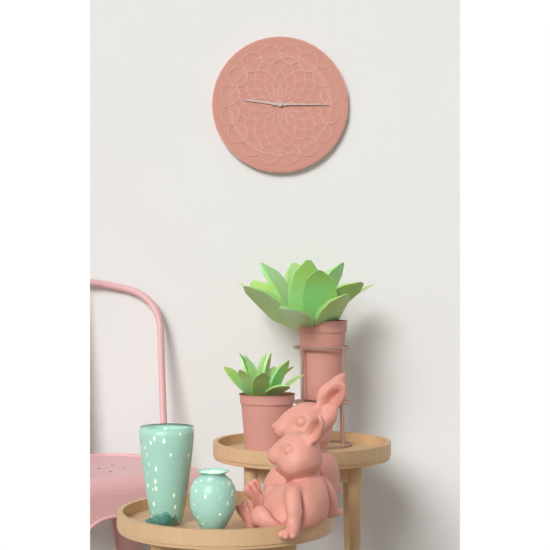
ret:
9:15
